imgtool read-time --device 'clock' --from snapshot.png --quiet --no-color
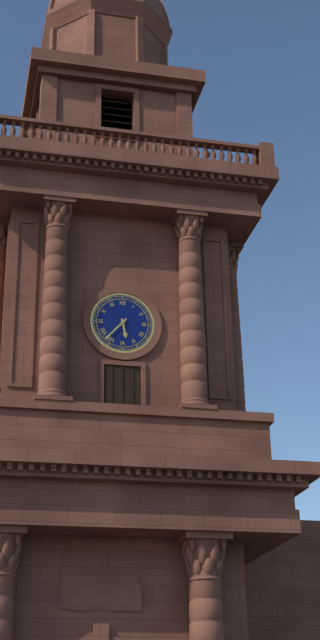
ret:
5:37
